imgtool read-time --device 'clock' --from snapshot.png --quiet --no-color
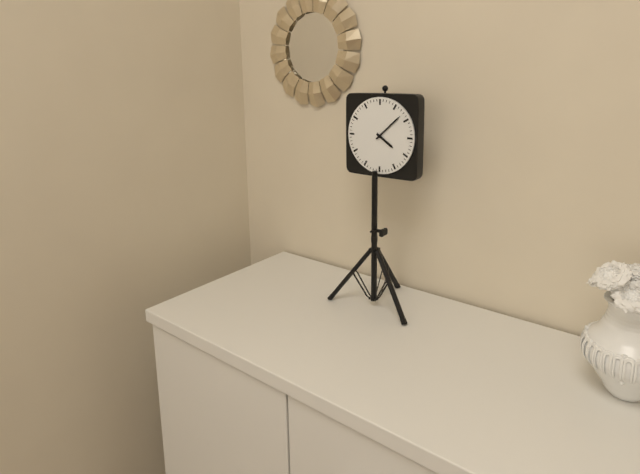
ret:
4:08
